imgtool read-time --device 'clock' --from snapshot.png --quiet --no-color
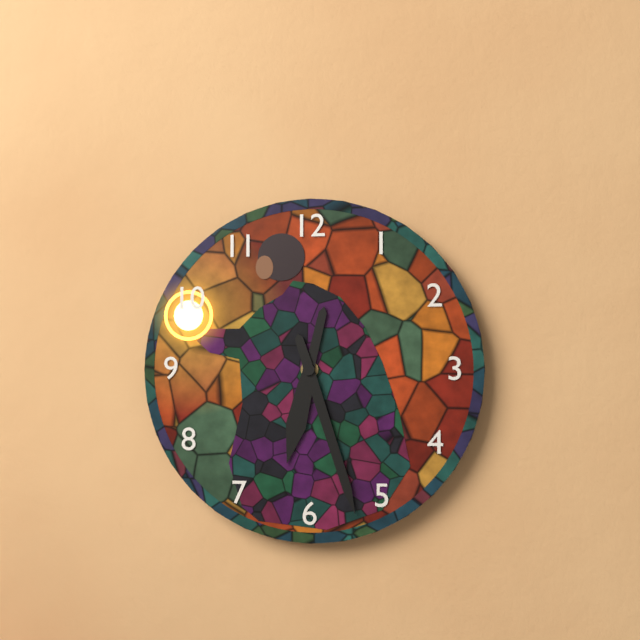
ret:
6:27
